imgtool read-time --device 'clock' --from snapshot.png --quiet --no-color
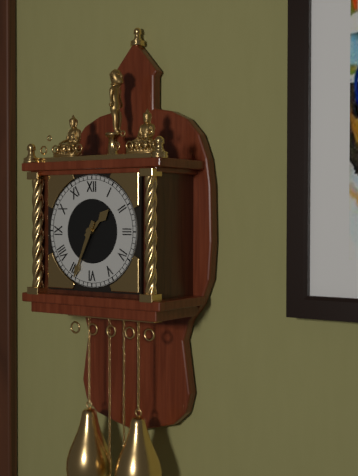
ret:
1:34
